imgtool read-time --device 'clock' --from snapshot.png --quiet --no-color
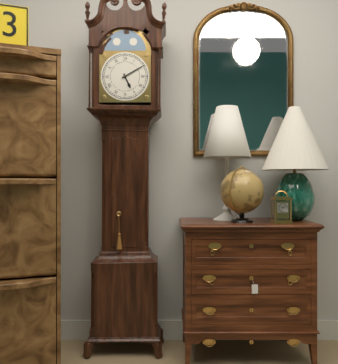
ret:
5:10
